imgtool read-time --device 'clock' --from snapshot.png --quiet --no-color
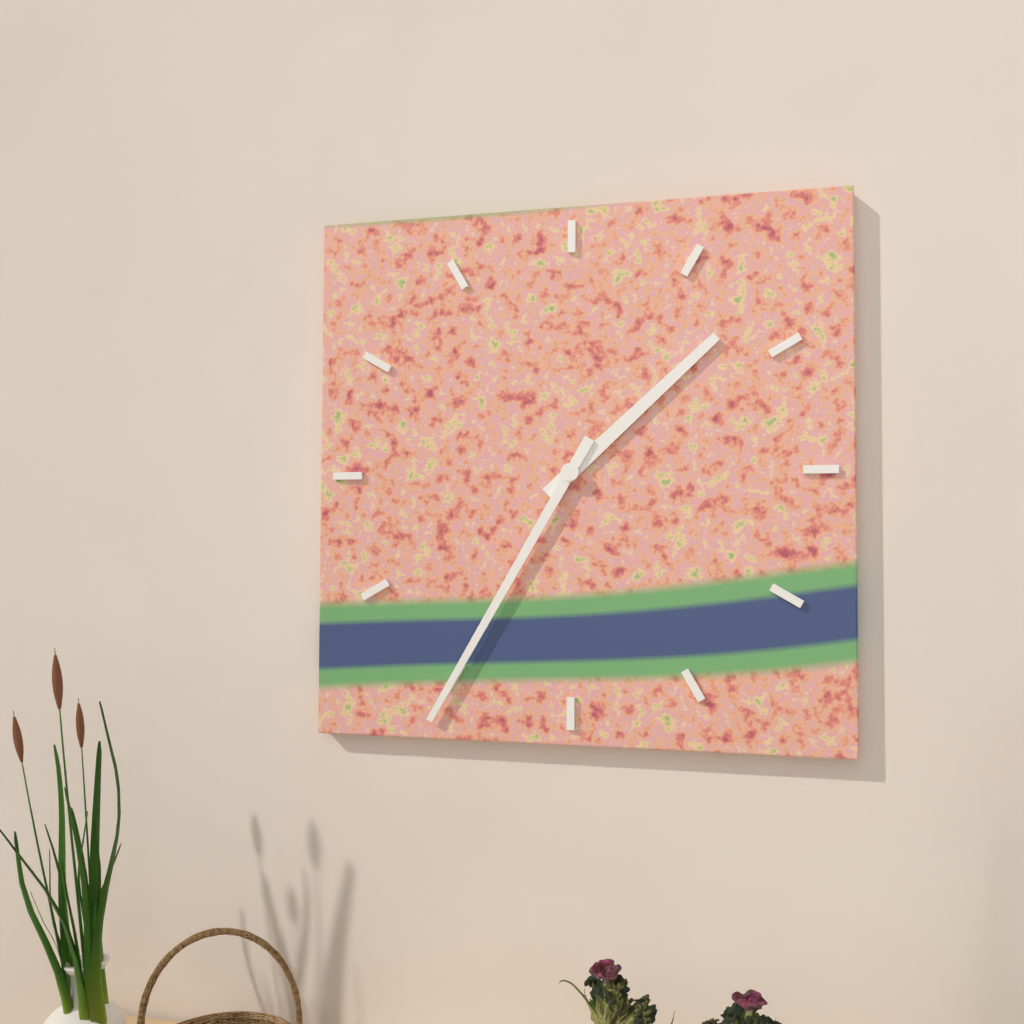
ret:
1:35
